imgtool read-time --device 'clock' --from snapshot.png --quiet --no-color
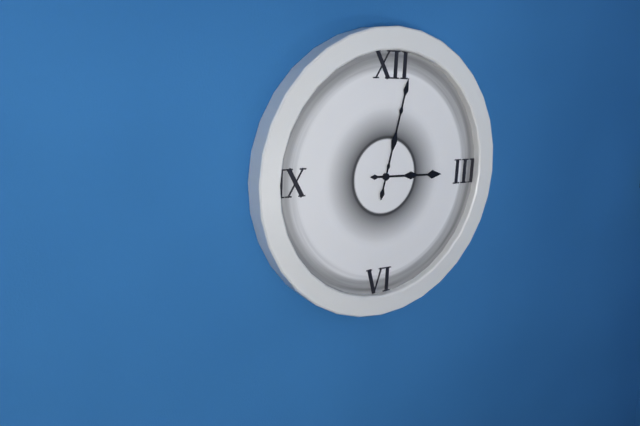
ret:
3:02
